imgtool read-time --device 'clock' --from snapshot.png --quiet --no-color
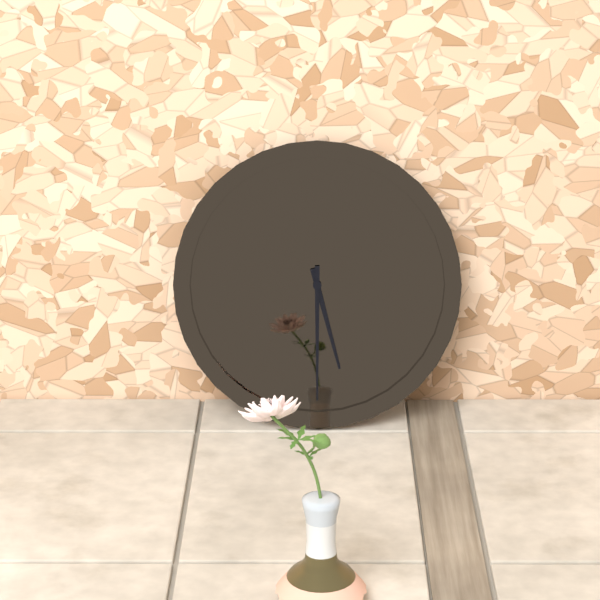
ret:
5:30
